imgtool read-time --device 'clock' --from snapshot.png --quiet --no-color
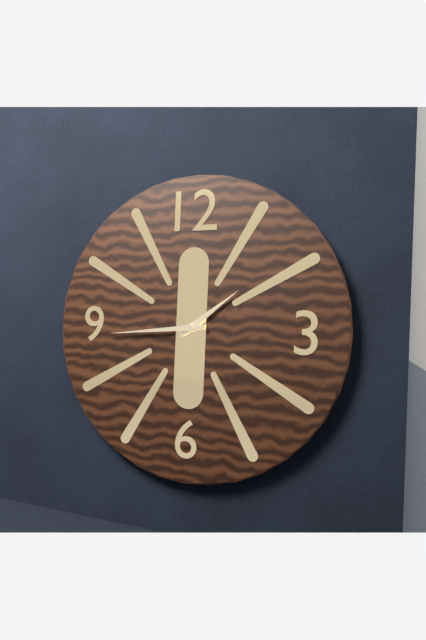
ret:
1:44
